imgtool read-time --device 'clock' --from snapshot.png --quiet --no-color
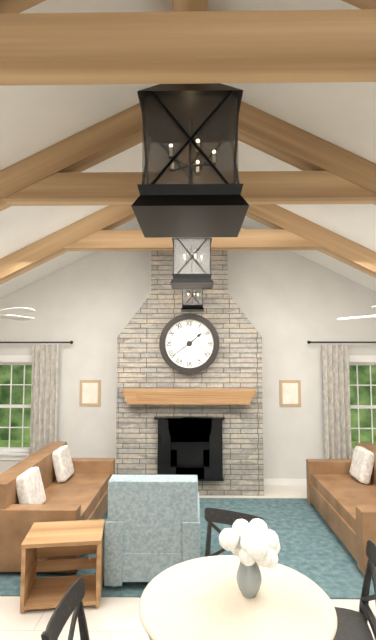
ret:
1:39
